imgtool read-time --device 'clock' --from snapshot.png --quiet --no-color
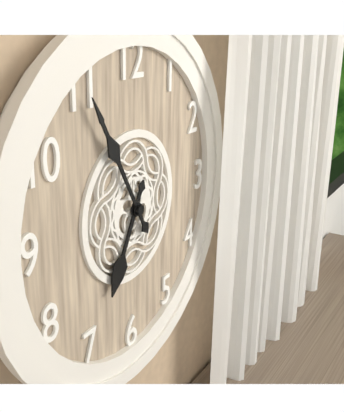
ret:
6:55
